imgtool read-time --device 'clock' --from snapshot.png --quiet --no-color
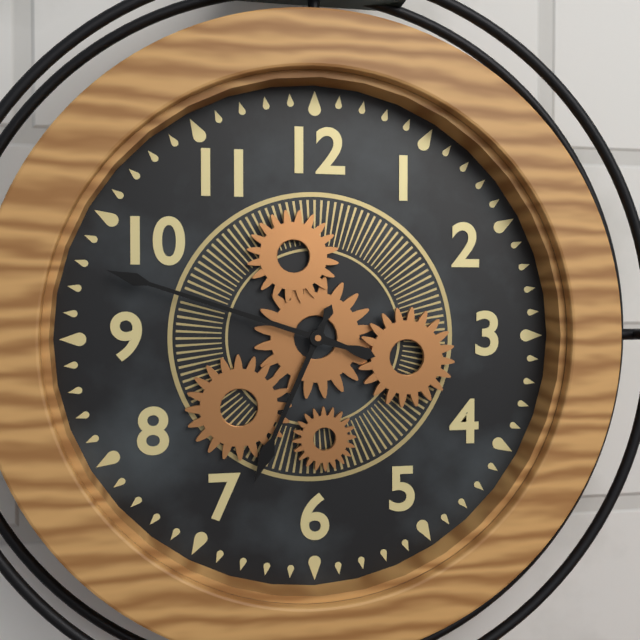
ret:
6:48
